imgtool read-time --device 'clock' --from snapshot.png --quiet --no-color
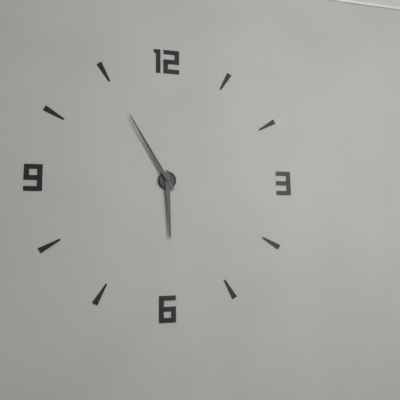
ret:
5:55
